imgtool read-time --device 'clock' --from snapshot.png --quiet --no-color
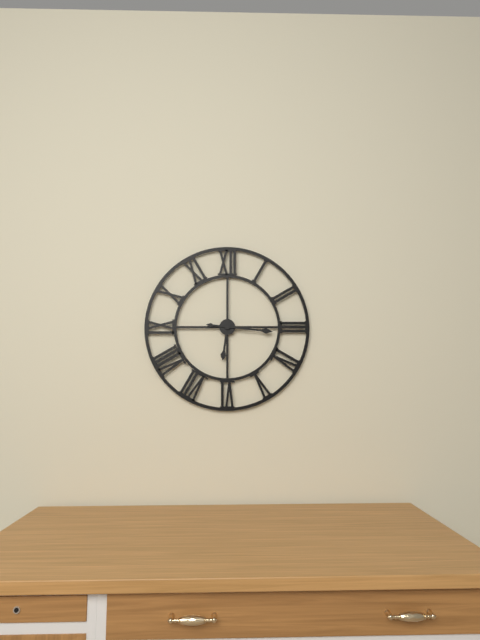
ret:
6:16
